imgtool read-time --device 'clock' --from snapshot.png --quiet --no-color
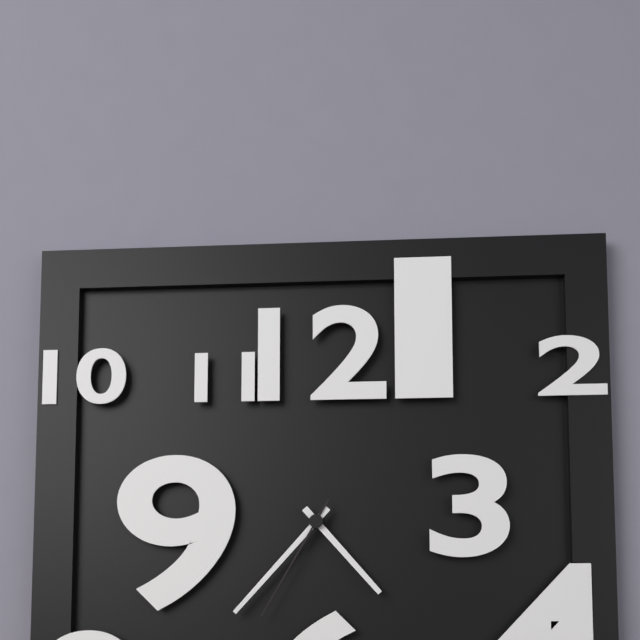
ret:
4:37:35
